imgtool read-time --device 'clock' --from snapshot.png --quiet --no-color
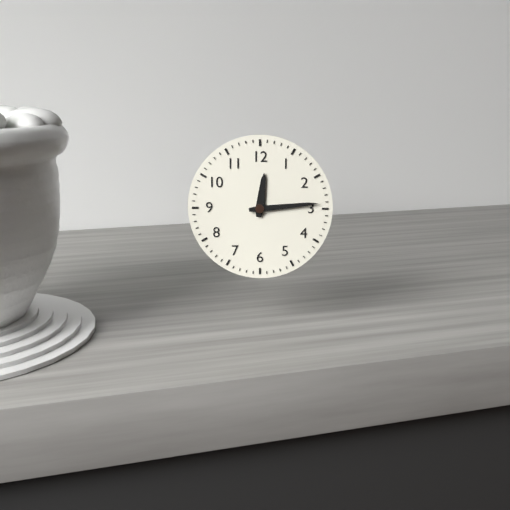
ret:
12:14
